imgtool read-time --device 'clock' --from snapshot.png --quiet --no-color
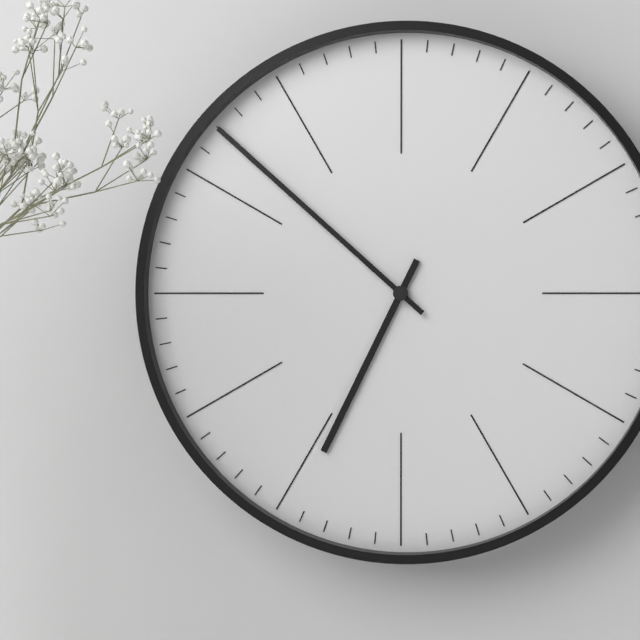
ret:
6:52
